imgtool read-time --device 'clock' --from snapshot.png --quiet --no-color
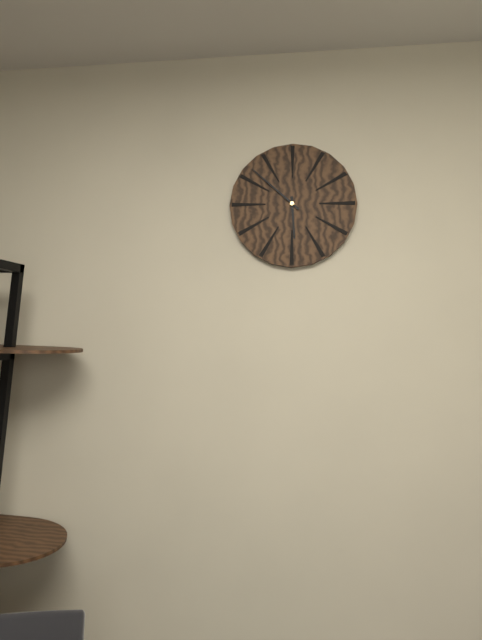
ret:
5:52
